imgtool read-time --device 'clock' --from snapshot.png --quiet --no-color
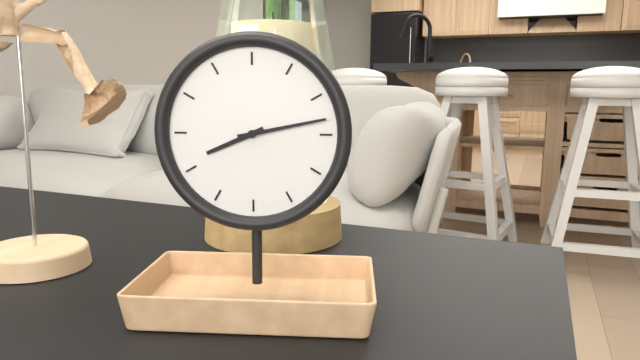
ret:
8:13
